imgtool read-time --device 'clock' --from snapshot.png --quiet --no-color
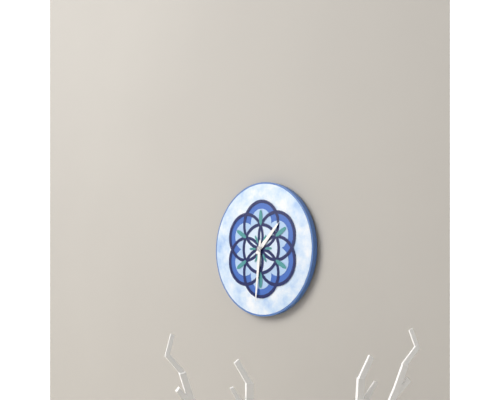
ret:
1:31
